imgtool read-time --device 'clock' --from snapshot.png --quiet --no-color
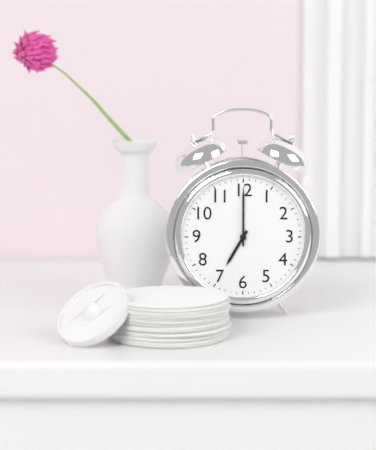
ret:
7:00
